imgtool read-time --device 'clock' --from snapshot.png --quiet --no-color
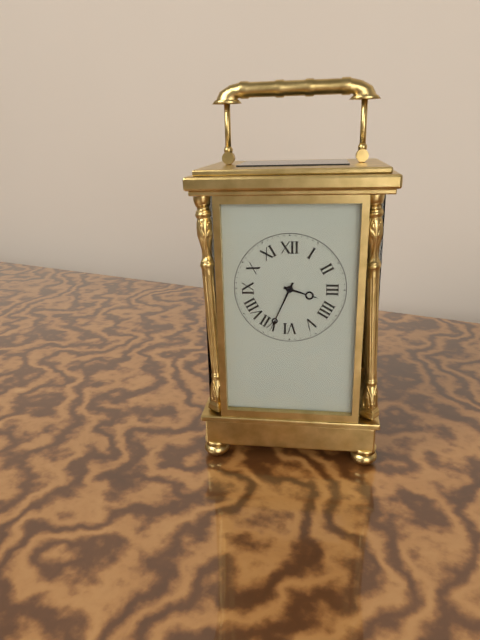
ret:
3:34
